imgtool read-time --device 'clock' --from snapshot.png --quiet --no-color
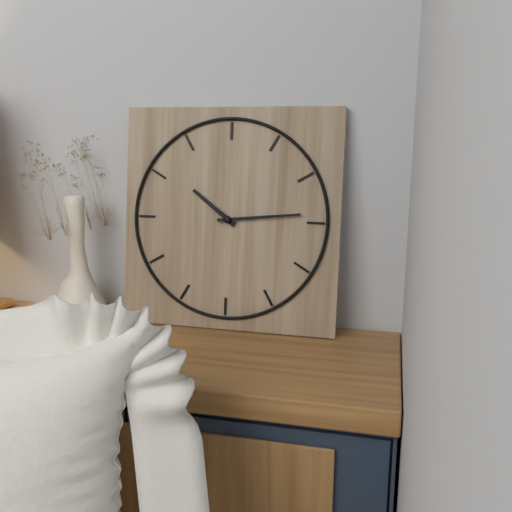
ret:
10:14
